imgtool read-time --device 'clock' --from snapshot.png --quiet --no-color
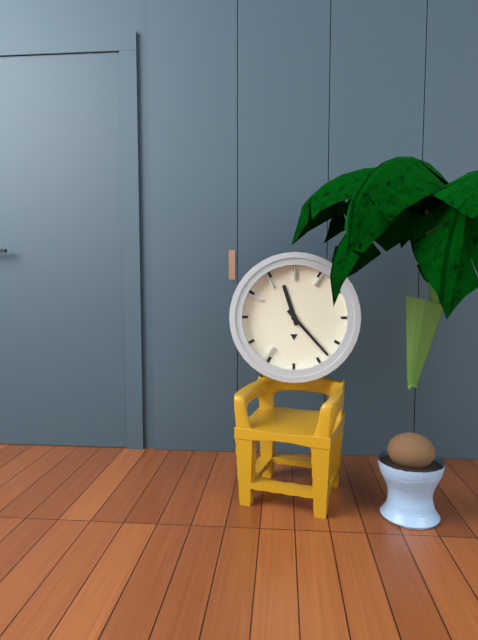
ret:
11:23
